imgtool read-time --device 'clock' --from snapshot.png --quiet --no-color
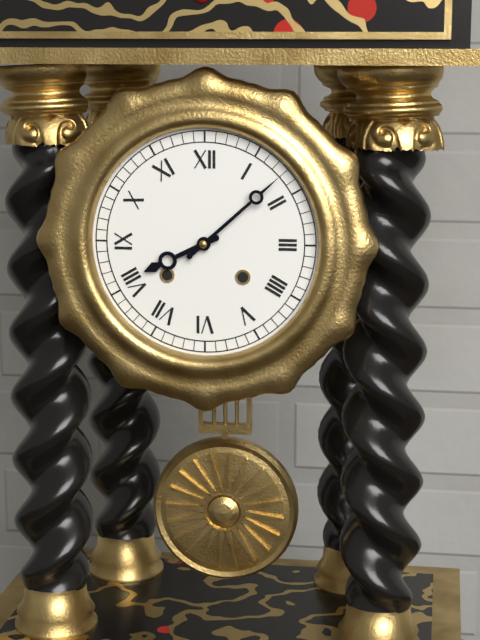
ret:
8:08
